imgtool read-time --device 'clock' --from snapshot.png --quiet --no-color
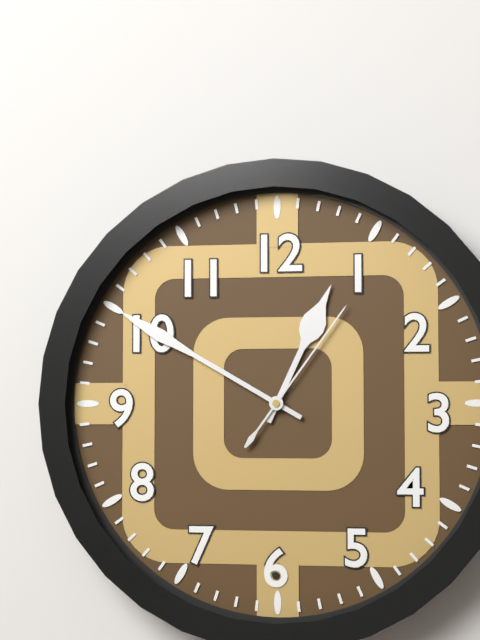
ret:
12:50:06
